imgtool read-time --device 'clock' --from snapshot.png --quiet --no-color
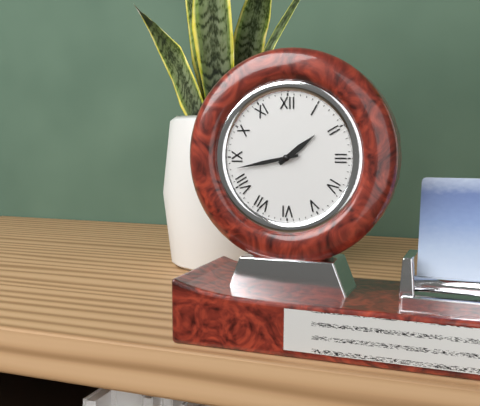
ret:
1:43
